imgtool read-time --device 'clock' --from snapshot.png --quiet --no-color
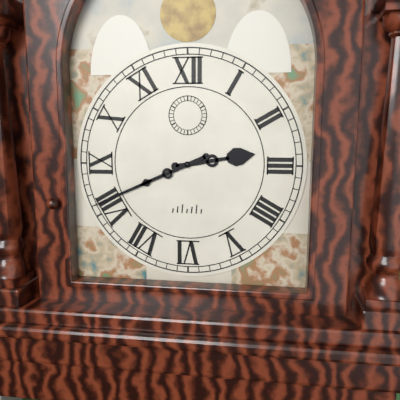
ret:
2:41
